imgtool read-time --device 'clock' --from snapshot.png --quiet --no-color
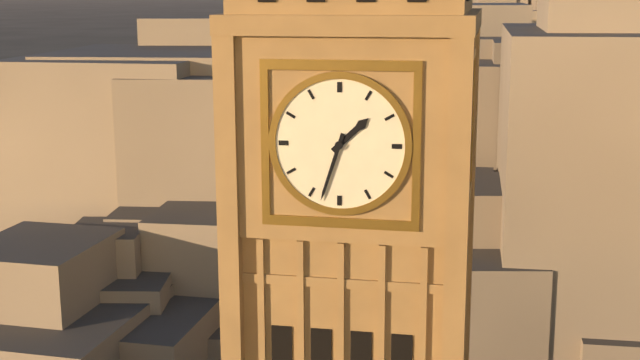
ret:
1:33
